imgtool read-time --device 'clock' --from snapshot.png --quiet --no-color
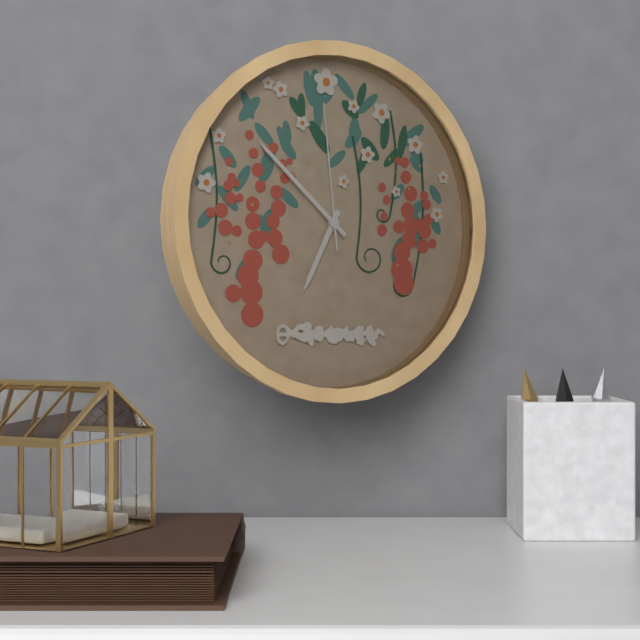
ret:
6:52:59
